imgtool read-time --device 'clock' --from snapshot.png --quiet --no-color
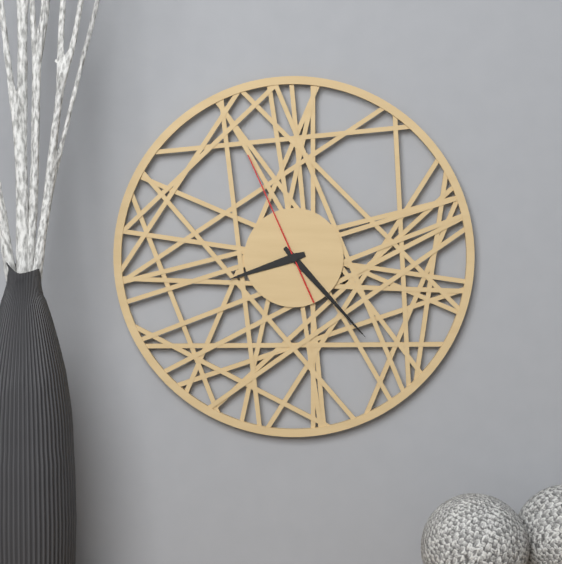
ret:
8:23:56
